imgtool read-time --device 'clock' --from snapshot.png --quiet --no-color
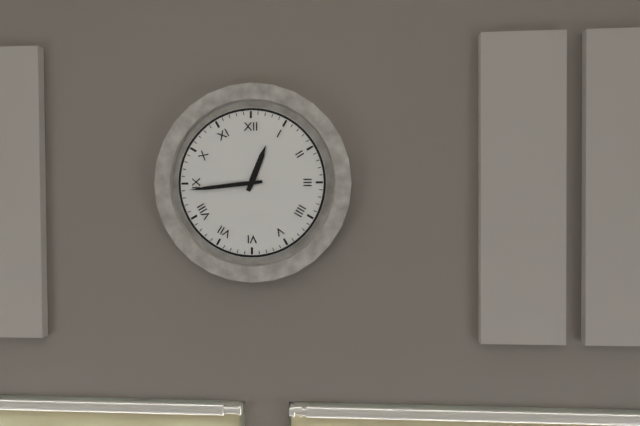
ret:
12:44
